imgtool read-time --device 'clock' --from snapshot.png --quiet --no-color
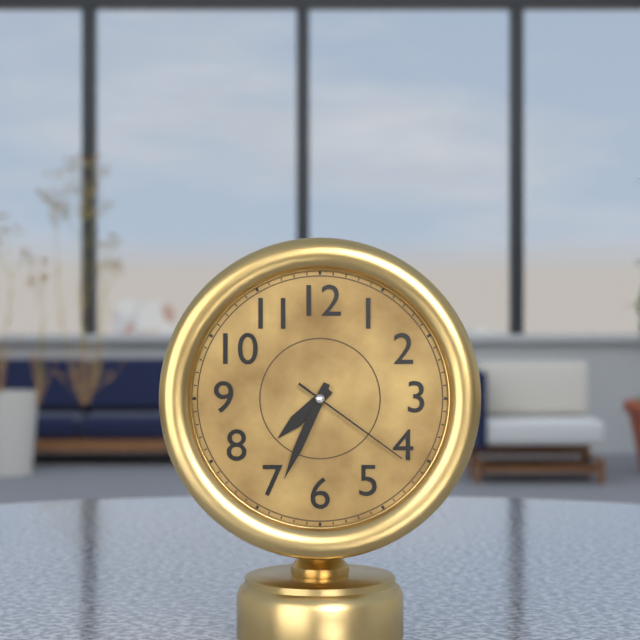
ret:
7:34:21
